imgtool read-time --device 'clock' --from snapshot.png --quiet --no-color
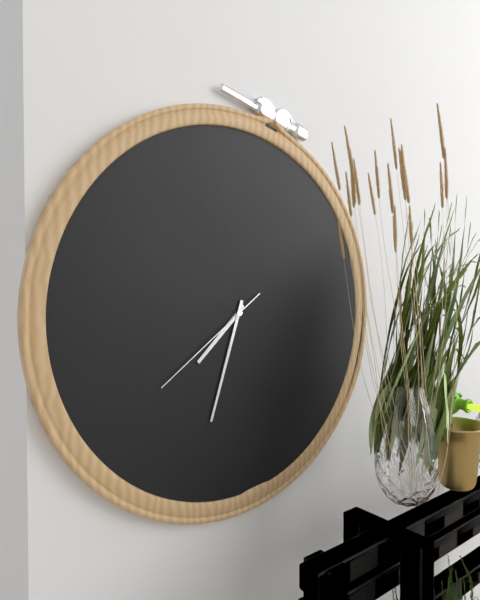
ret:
7:33:39
